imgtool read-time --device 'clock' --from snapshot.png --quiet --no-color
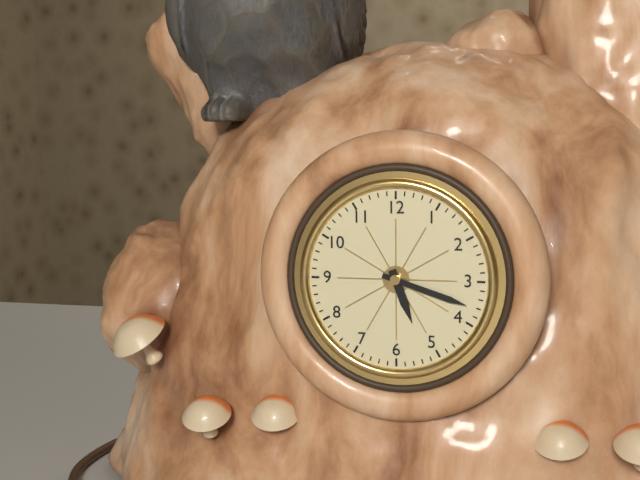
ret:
5:18
